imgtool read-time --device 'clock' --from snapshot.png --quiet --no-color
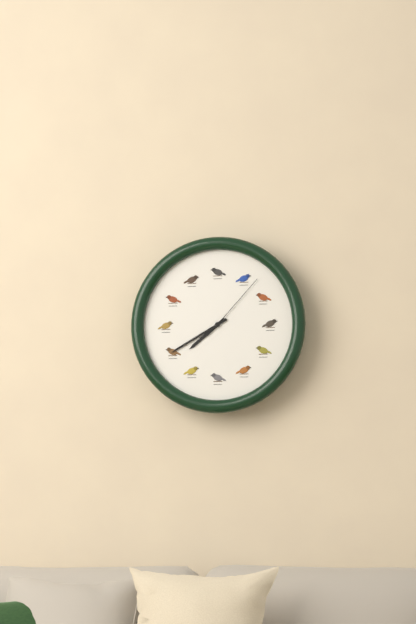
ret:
7:40:07
